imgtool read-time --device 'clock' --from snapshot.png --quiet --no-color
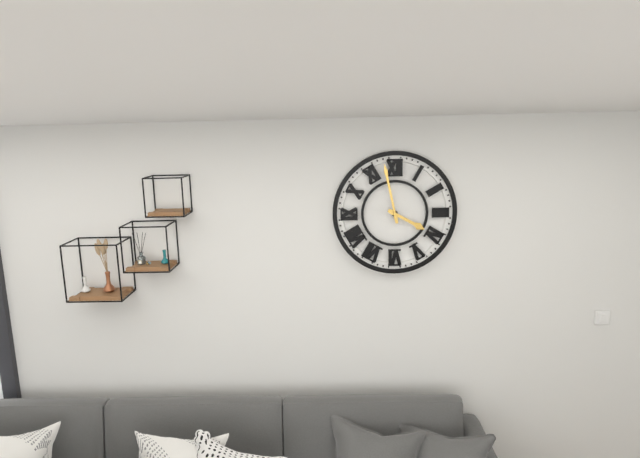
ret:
3:58
